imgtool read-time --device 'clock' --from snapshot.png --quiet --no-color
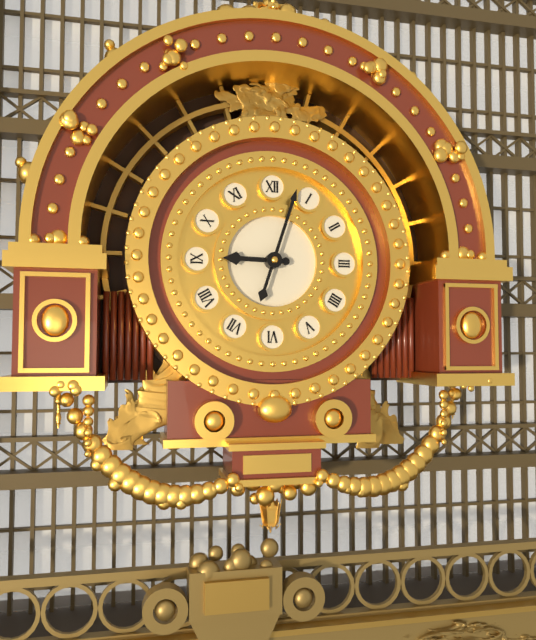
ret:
9:03
